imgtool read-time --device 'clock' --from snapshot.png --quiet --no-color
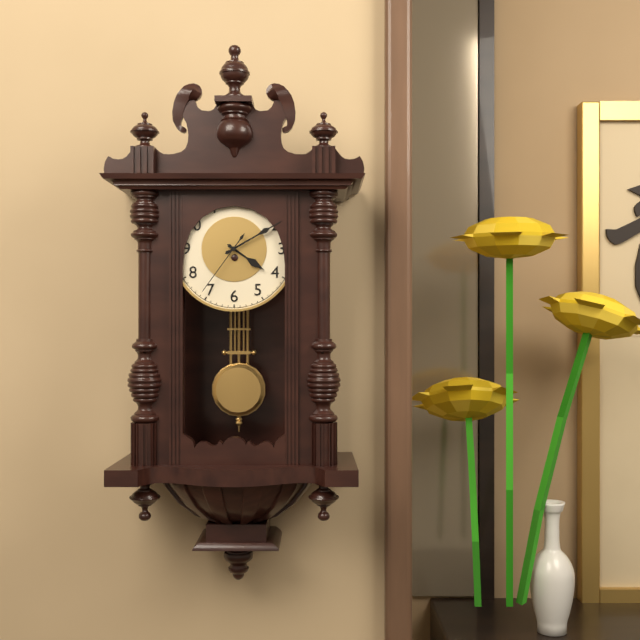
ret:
4:10:36
